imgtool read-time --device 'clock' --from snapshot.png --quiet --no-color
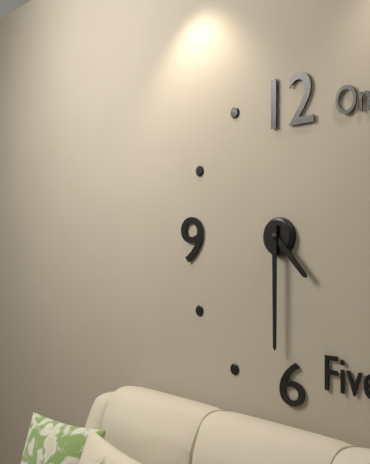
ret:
4:30
